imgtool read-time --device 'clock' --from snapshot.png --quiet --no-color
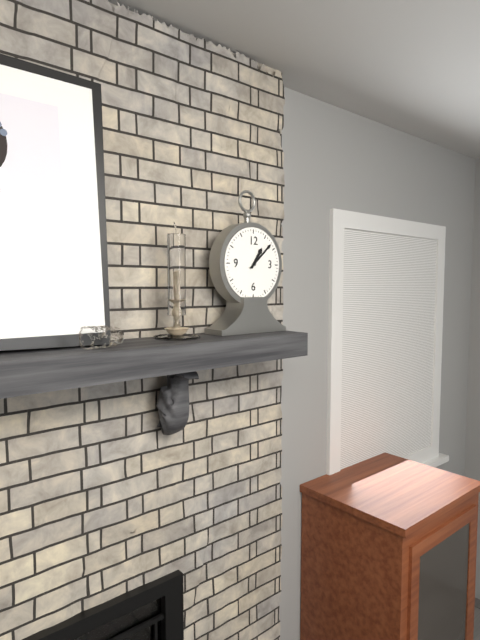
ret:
1:08
